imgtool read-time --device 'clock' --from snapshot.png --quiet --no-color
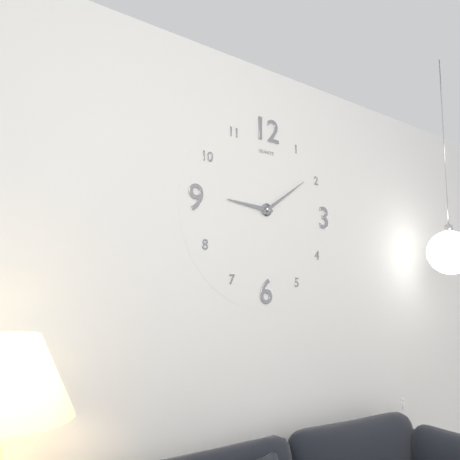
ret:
9:09
